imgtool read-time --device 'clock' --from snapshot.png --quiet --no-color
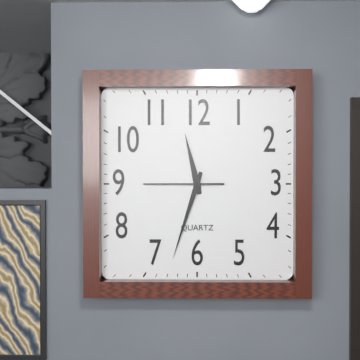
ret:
11:33:45
